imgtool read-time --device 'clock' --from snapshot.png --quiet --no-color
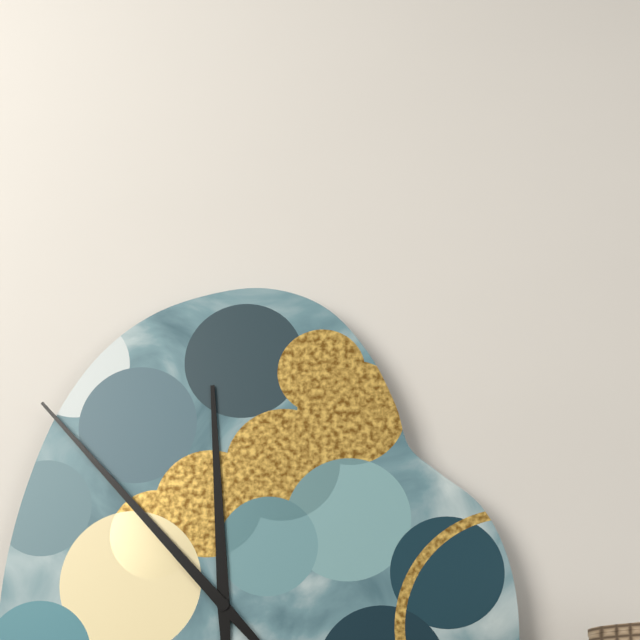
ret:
11:53
